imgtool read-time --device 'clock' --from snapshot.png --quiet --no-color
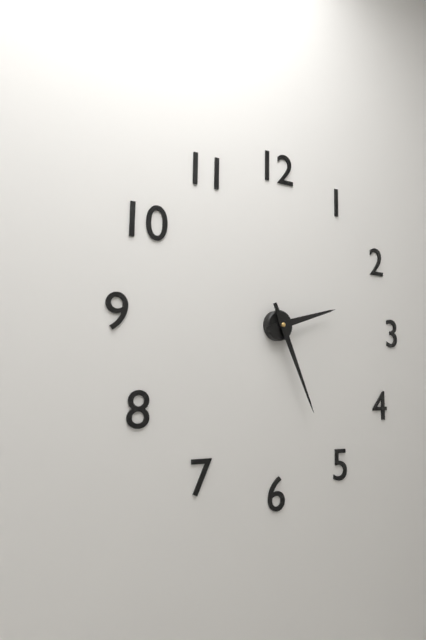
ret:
2:26
